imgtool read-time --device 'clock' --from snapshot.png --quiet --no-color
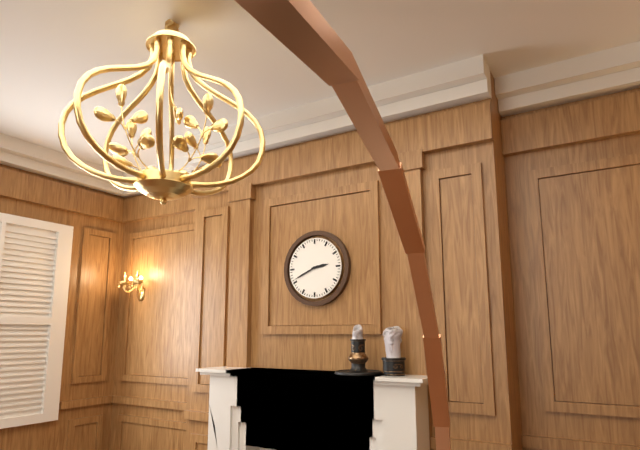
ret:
2:41
